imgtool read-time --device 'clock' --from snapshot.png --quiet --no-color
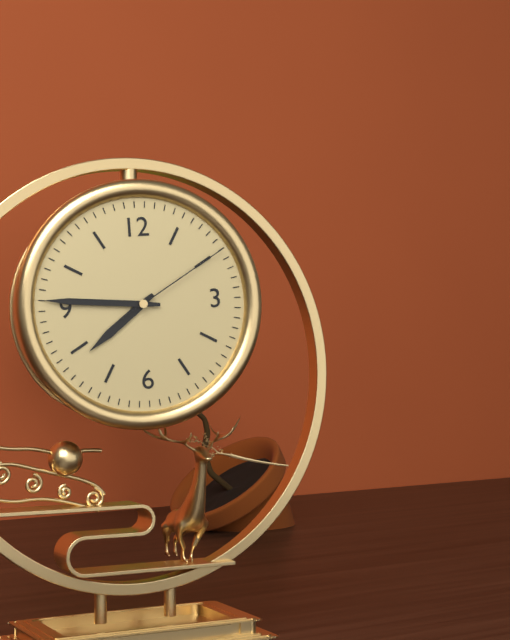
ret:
7:46:10
